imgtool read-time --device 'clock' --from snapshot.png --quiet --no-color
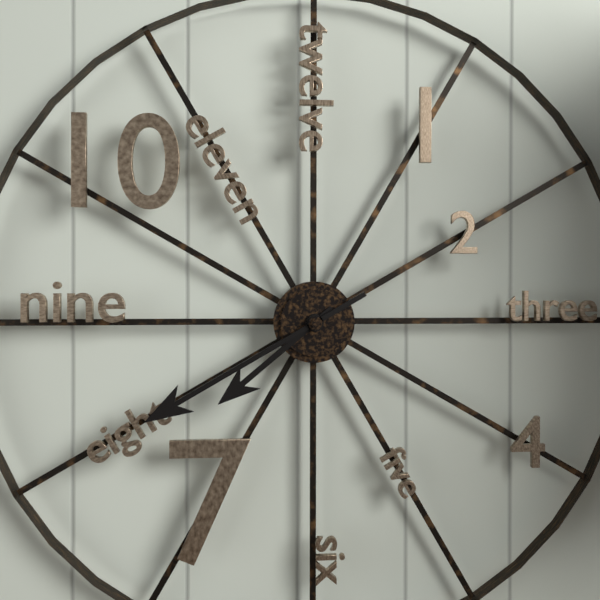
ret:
7:40
